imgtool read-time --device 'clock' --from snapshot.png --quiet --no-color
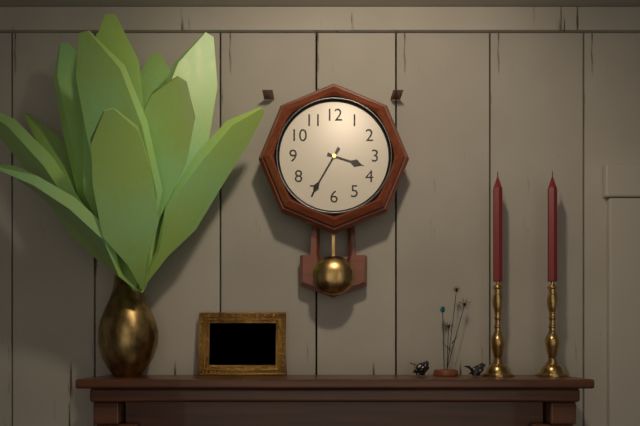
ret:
3:35
